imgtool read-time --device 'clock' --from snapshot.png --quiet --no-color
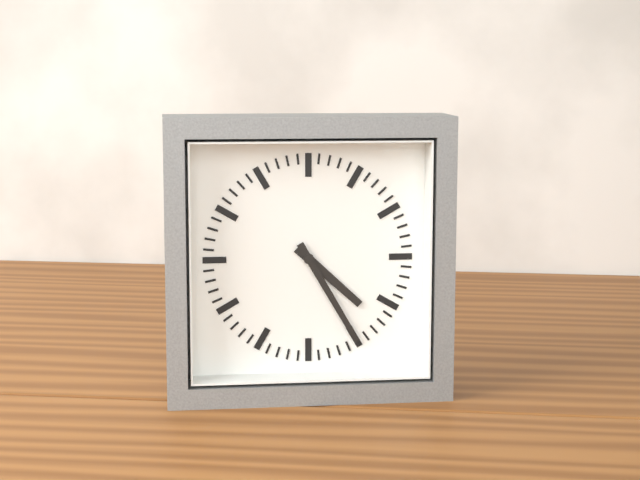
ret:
4:25
